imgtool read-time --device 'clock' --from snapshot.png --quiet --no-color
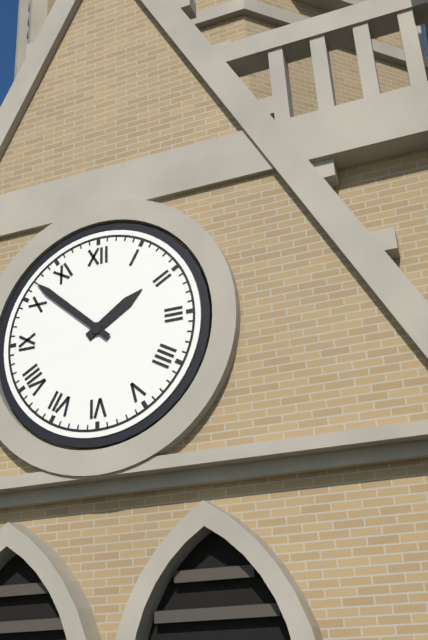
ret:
1:52
